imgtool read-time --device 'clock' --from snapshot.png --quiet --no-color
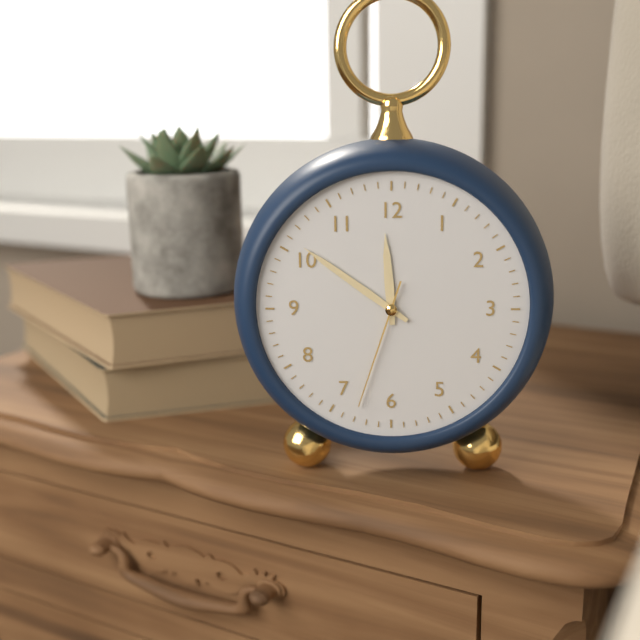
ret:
11:51:33
